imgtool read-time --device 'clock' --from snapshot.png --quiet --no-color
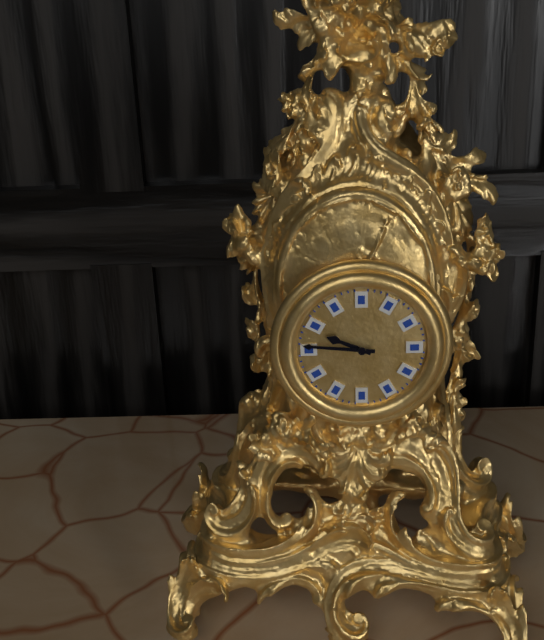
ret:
9:46
